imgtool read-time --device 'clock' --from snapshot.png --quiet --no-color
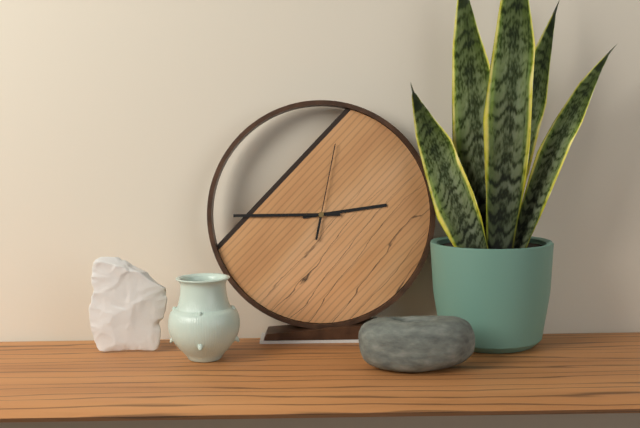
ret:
2:45:02
